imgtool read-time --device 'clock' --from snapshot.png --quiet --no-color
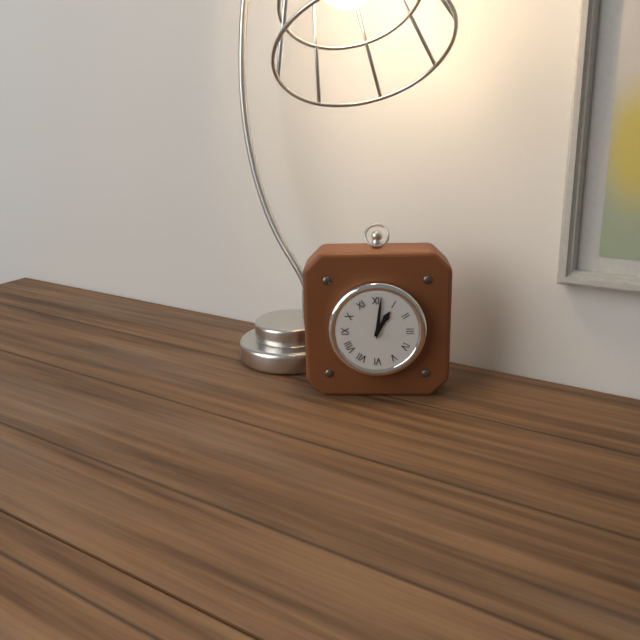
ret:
1:01
